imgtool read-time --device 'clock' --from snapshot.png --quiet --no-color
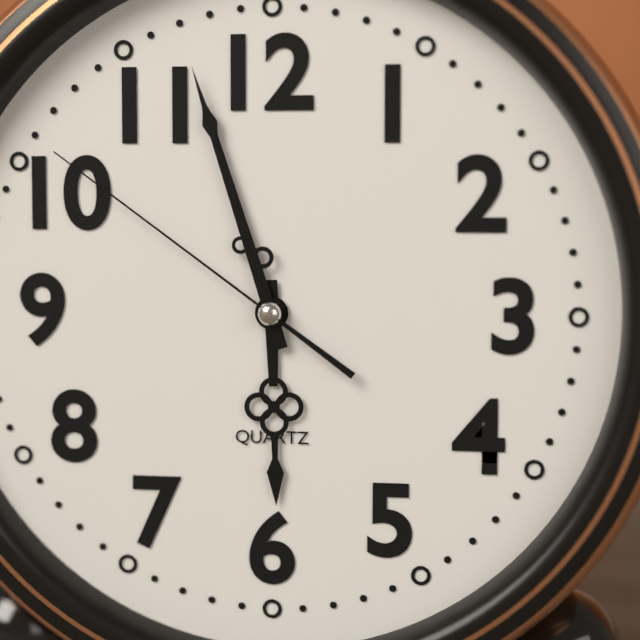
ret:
5:57:51
